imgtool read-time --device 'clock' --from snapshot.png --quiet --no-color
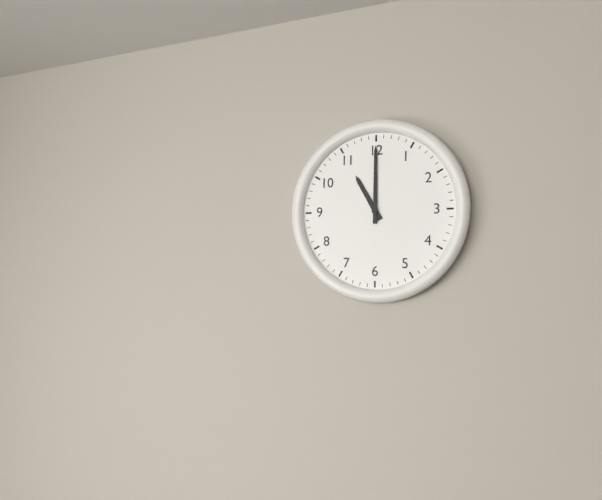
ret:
11:00
